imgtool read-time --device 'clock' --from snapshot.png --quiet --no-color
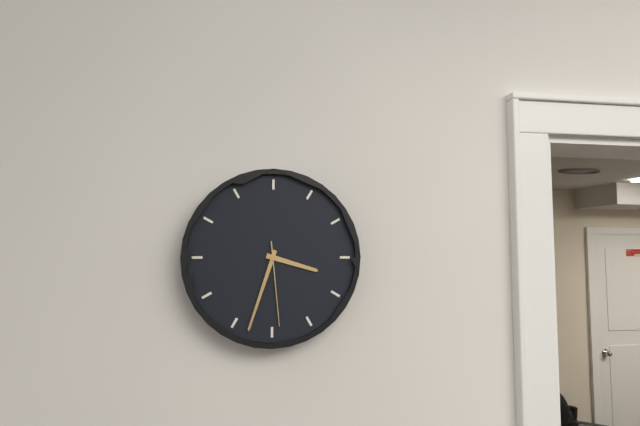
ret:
3:33:29
